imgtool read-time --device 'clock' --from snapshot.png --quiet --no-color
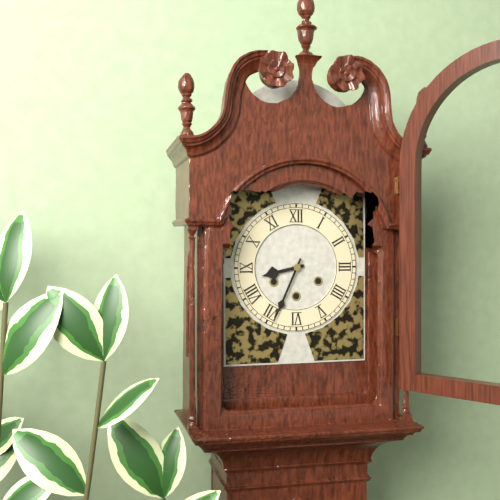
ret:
8:34
